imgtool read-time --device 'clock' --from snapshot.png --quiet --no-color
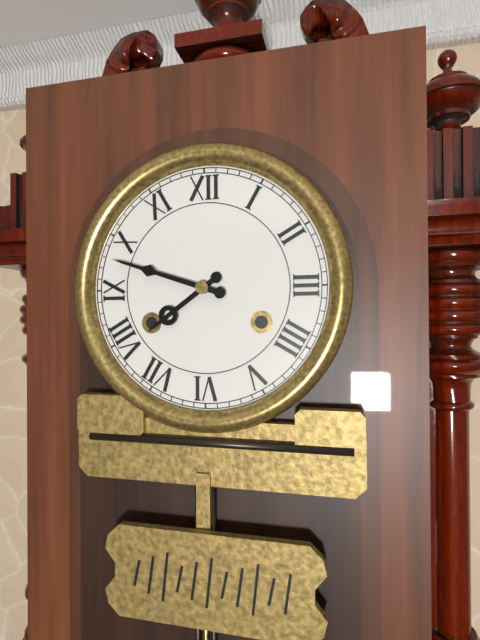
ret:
7:48
